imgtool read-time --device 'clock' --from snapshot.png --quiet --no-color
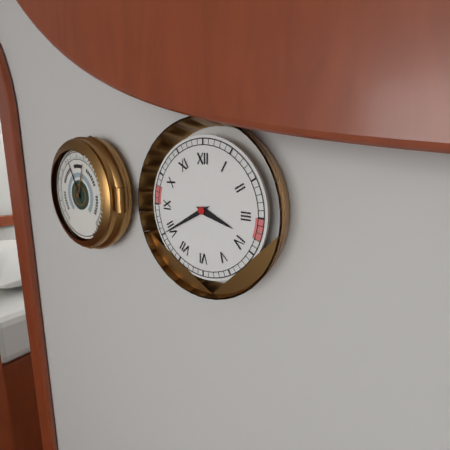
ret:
3:40
